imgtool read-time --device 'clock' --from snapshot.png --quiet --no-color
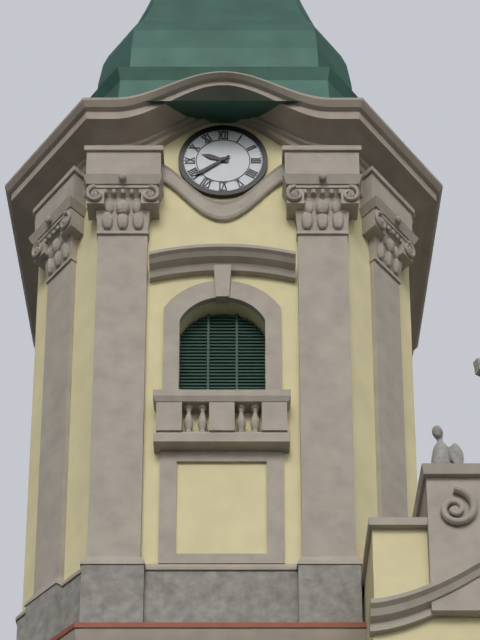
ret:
9:39
